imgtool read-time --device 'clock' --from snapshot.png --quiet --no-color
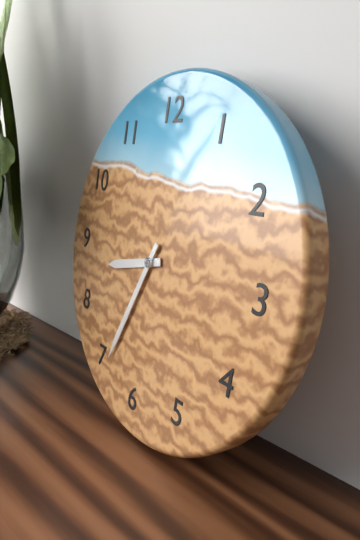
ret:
8:34
